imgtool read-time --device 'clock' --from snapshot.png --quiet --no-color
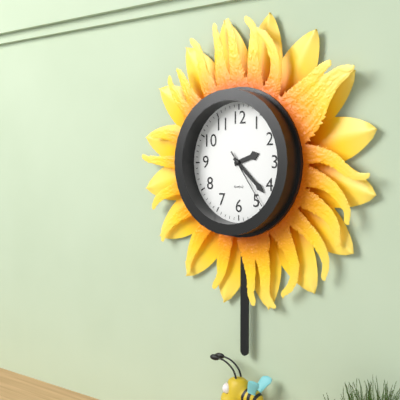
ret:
2:22:24
